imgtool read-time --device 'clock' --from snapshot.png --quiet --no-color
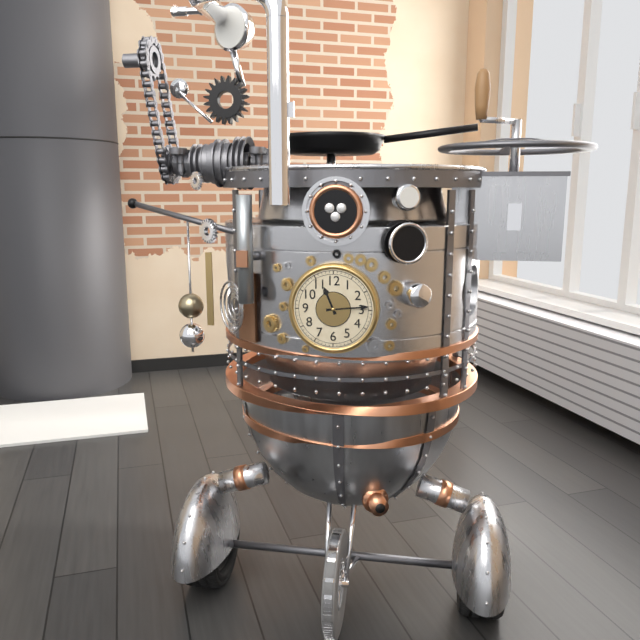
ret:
11:14
